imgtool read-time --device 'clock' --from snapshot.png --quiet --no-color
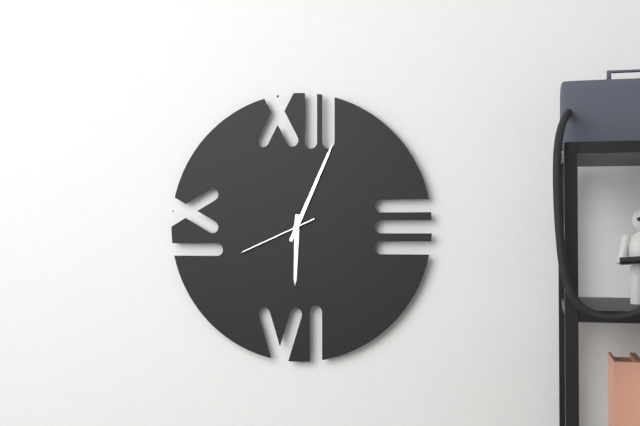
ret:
6:04:41
